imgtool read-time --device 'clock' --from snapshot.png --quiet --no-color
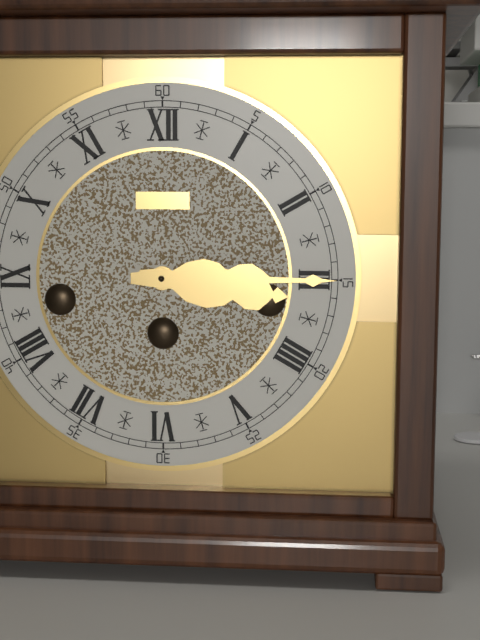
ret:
3:15
